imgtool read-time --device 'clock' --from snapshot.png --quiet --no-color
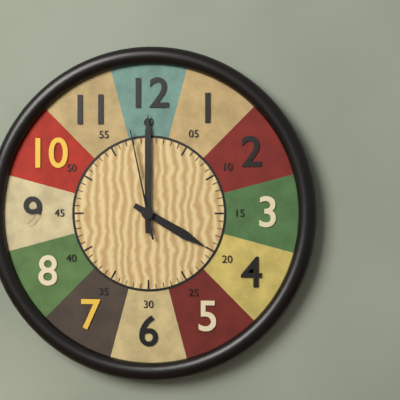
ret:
4:00:58
